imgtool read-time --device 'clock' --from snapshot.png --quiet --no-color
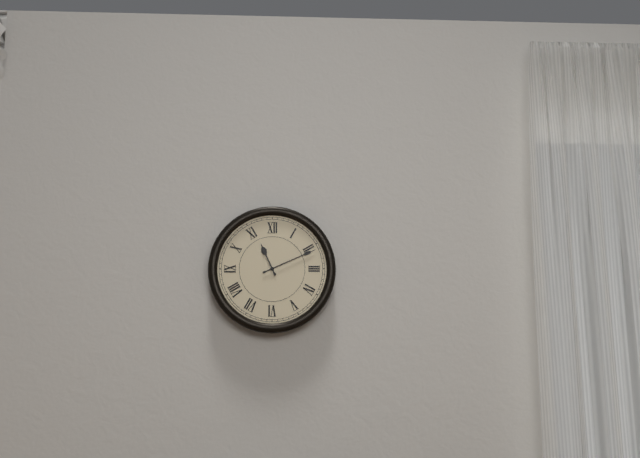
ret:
11:11
